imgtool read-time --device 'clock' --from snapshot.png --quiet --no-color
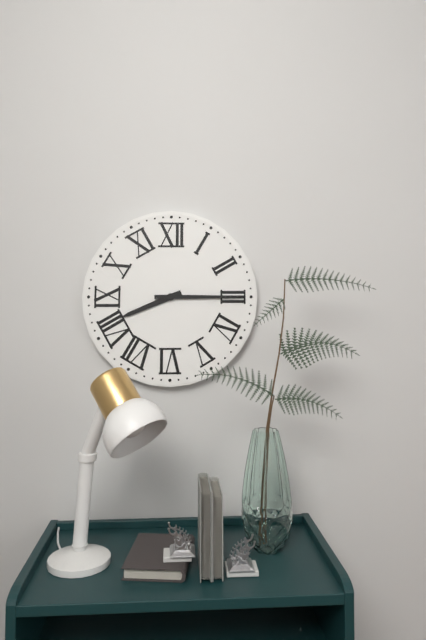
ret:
8:15
